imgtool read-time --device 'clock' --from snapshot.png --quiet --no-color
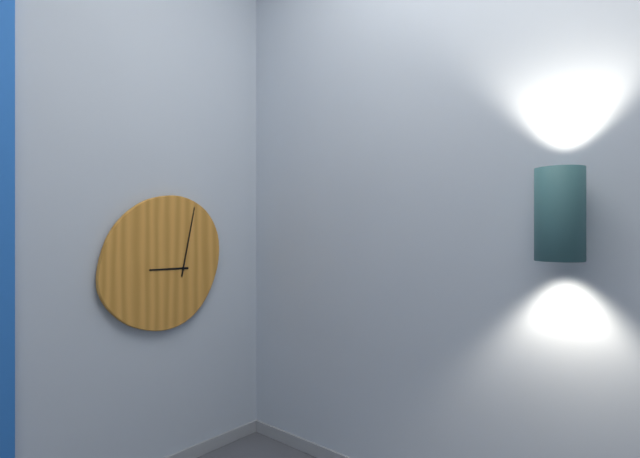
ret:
9:02
